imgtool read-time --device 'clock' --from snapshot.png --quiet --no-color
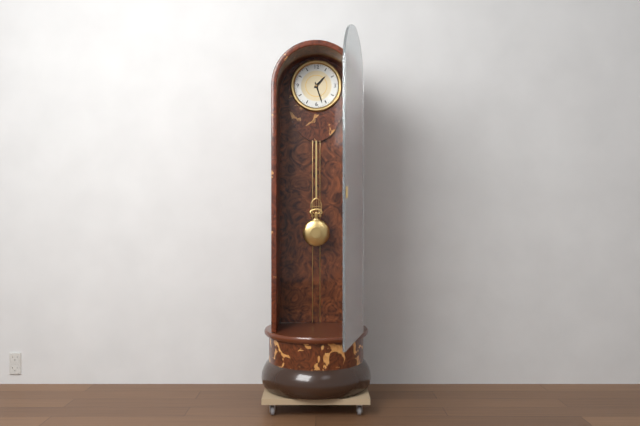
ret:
1:27
